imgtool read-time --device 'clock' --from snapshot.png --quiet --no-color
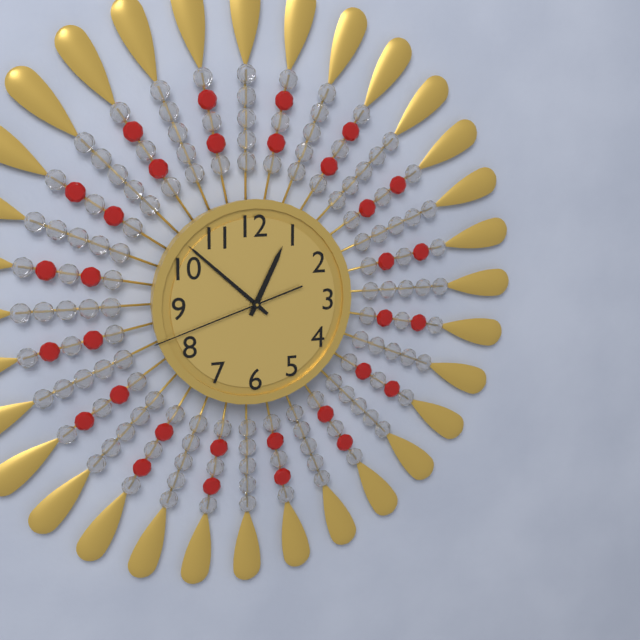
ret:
12:52:42
